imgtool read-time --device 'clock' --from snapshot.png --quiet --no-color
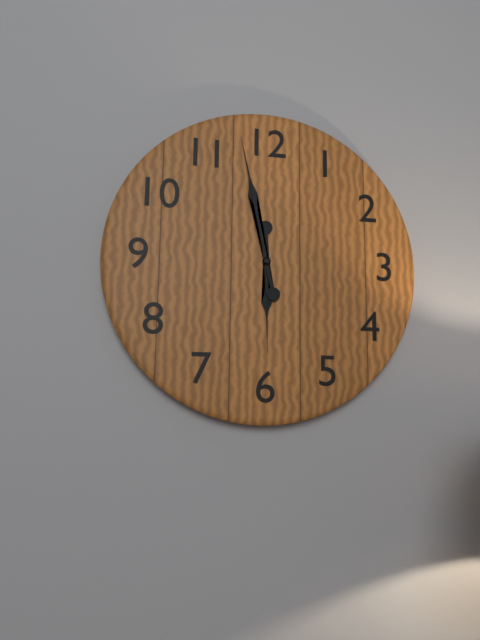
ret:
5:58
